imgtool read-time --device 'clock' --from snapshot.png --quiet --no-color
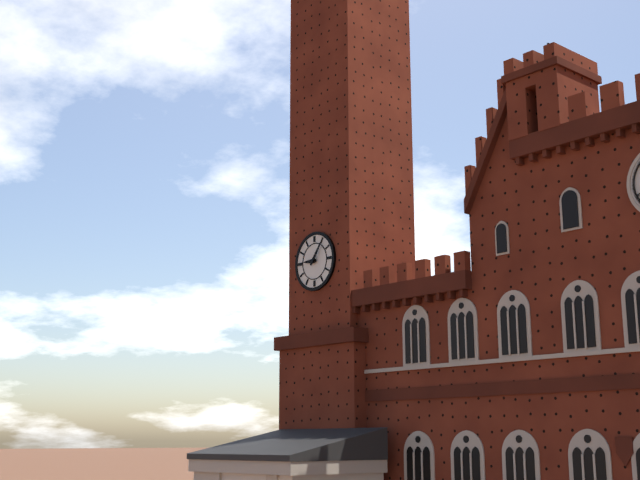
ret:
9:06
